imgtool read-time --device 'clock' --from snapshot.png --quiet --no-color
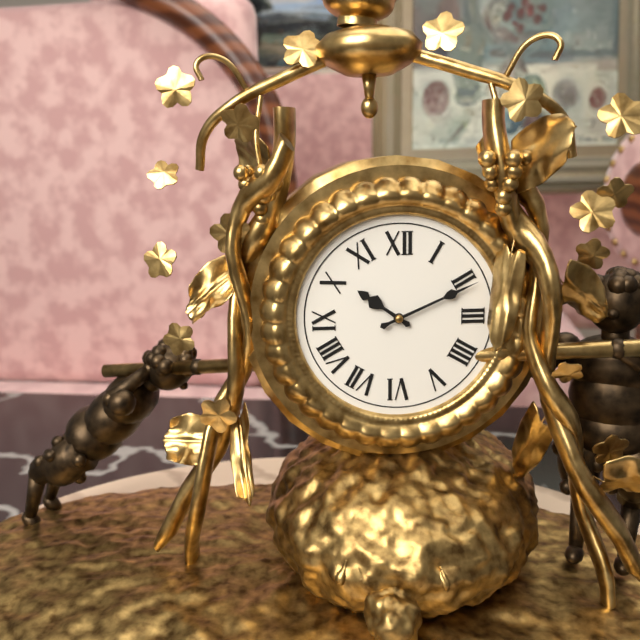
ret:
10:11
